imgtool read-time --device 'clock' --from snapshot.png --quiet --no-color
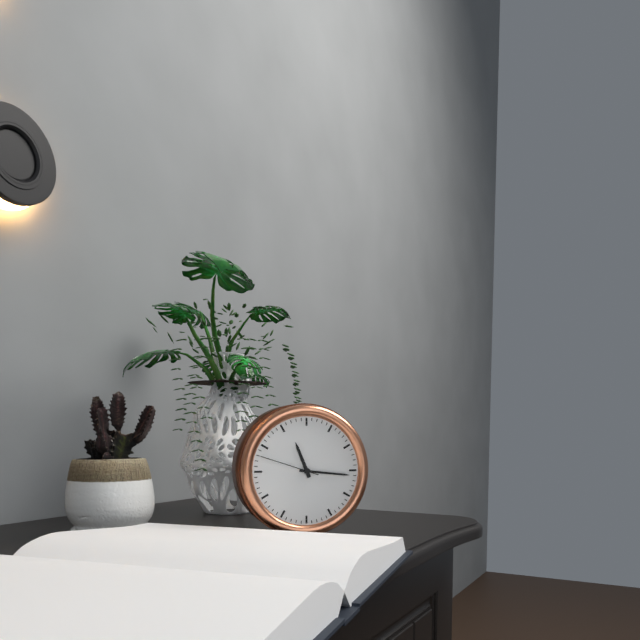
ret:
11:16:48
